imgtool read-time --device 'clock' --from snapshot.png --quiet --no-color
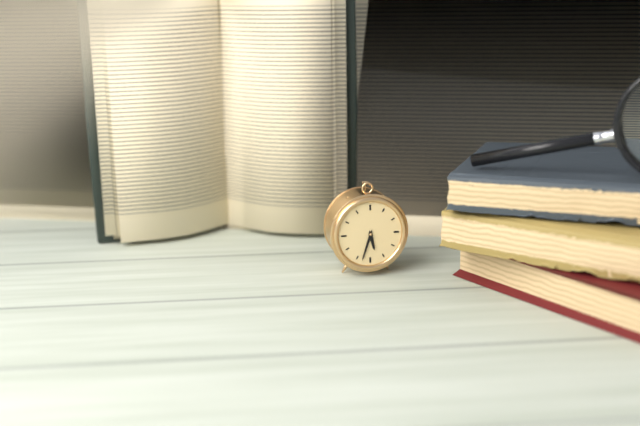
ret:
5:33
